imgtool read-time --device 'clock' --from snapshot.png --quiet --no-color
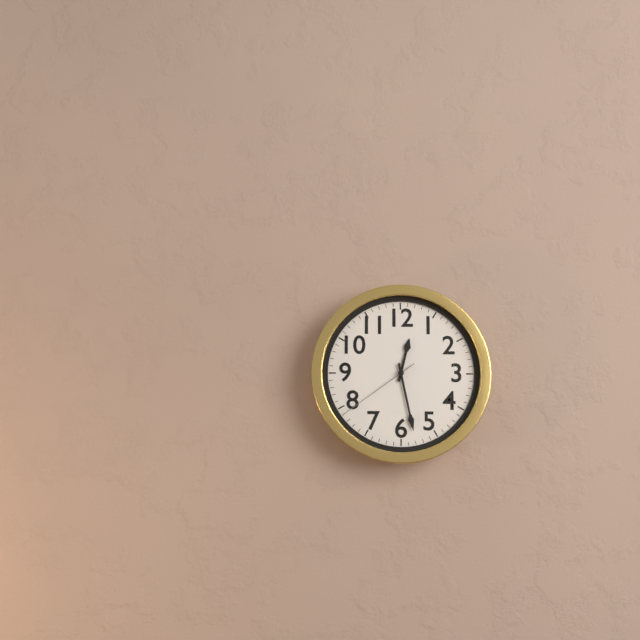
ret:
12:28:39
